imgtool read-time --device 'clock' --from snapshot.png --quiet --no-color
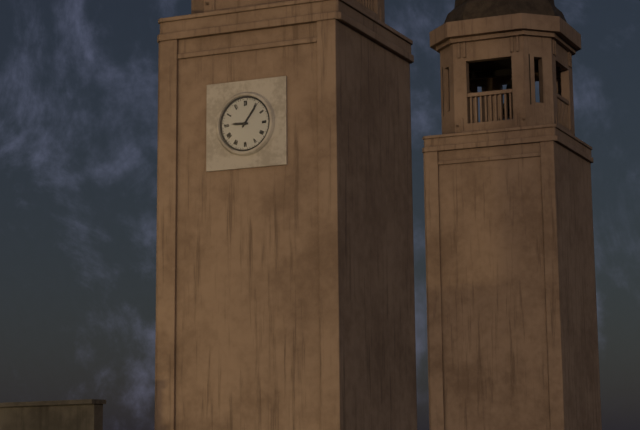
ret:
9:06
